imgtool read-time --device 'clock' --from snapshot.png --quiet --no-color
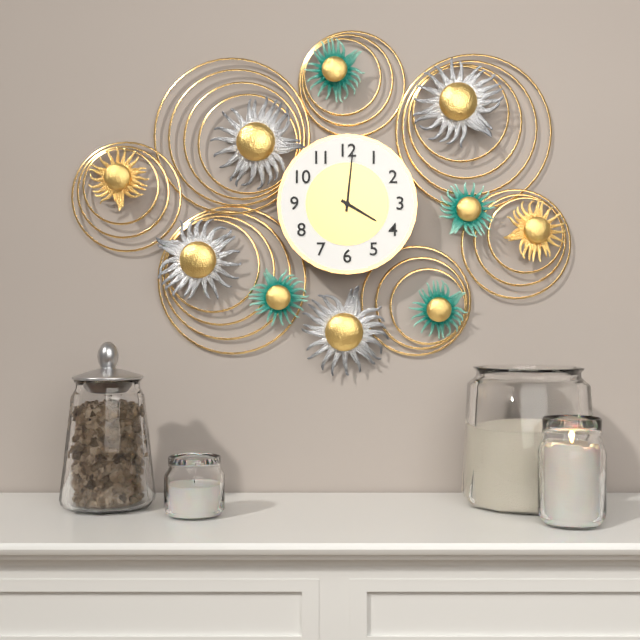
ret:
4:01
